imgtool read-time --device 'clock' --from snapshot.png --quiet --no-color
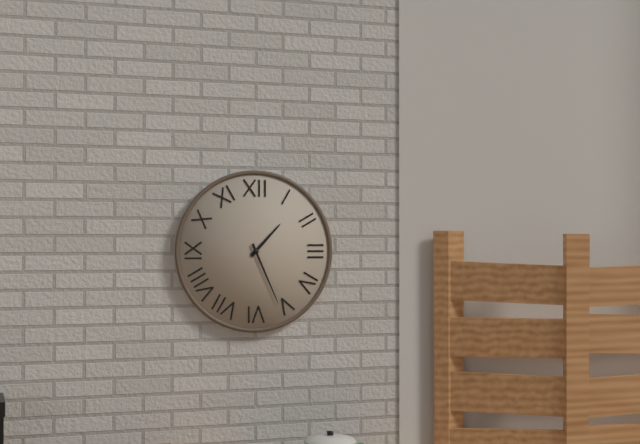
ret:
1:26
